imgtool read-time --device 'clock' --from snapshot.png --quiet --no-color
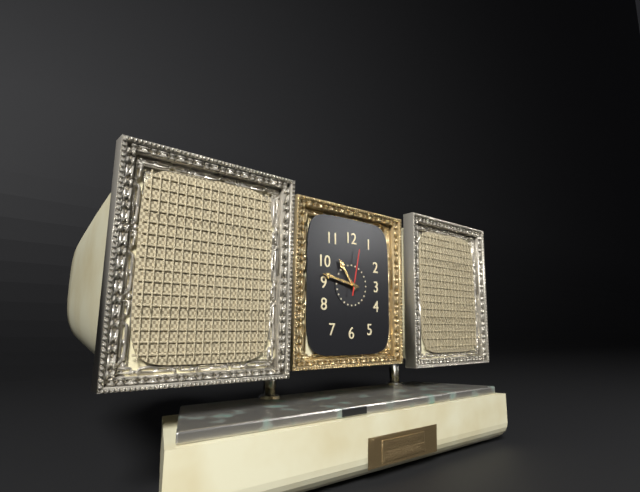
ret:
10:47
